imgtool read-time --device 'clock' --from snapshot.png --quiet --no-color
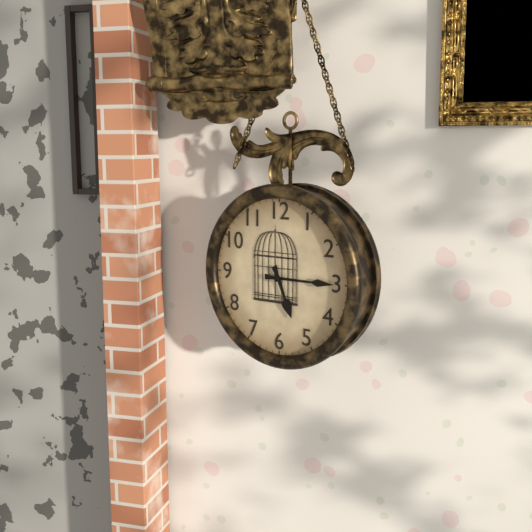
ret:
5:15
